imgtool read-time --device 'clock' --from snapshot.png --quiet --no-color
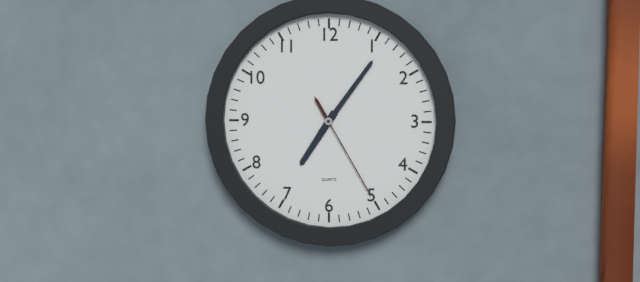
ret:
7:06:25
